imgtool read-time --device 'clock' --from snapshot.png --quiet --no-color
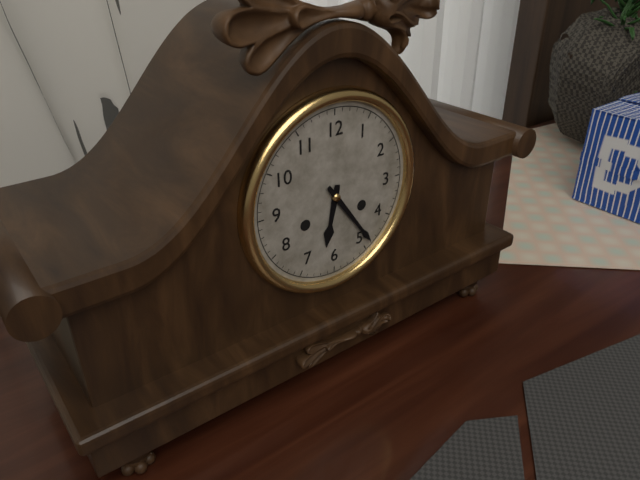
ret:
6:24
